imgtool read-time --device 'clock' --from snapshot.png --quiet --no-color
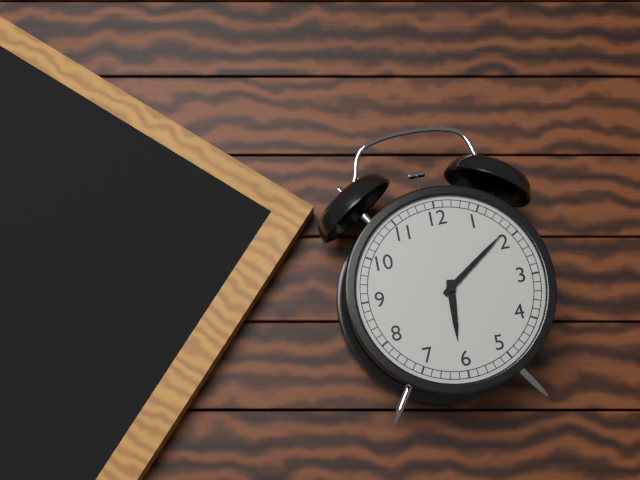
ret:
6:09
